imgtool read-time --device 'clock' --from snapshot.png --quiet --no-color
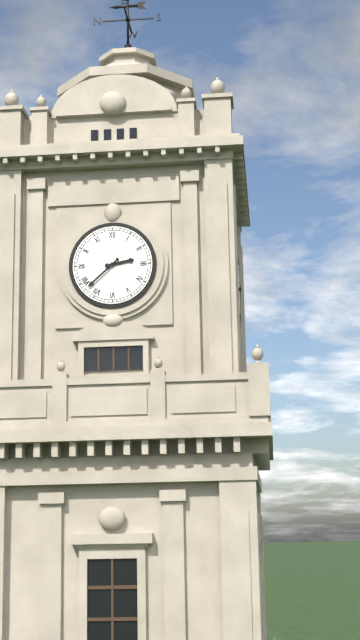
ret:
2:38
